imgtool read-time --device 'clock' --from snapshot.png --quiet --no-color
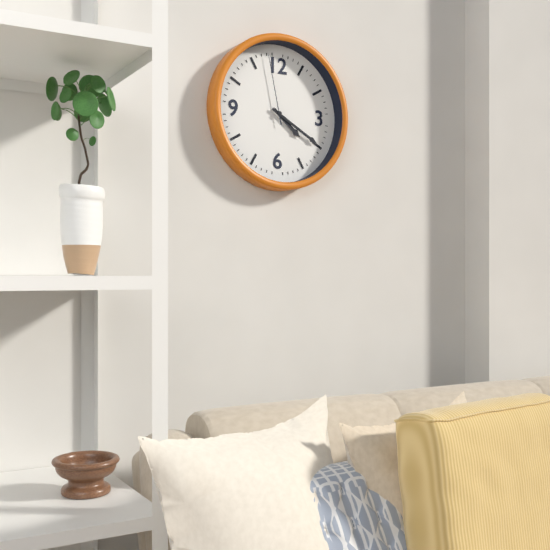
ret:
4:20:58
